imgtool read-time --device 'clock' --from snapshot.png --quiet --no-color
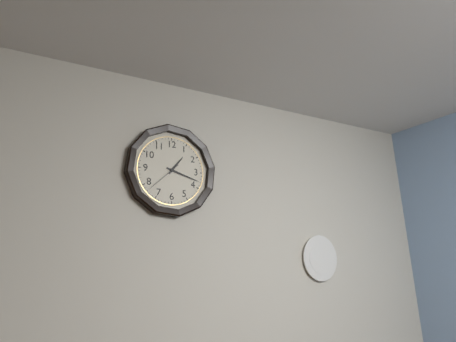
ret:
1:18
